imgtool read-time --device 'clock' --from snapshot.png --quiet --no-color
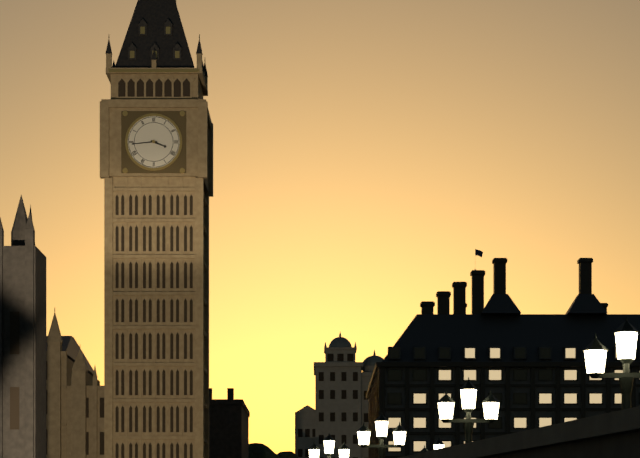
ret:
3:44
